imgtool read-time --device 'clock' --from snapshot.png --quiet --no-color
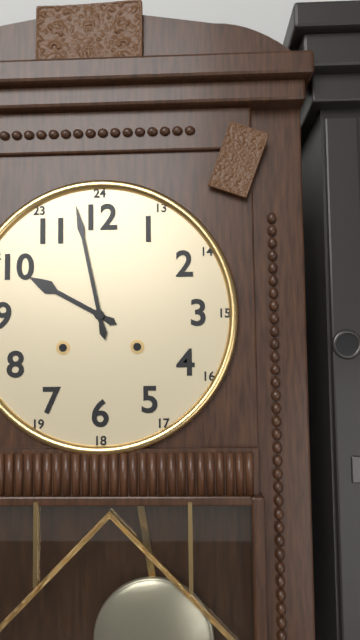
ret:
9:58
